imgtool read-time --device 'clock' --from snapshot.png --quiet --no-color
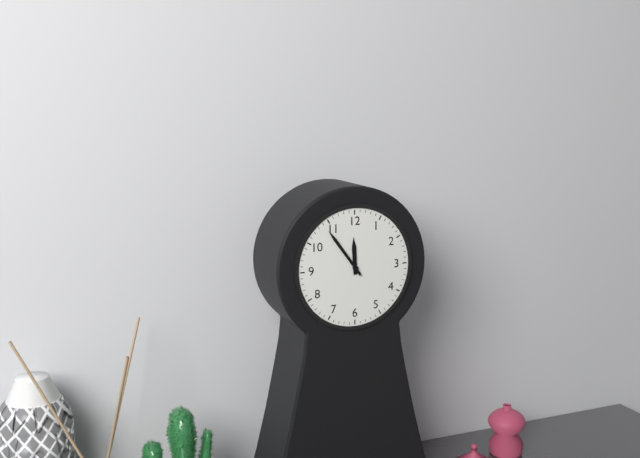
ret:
11:54
